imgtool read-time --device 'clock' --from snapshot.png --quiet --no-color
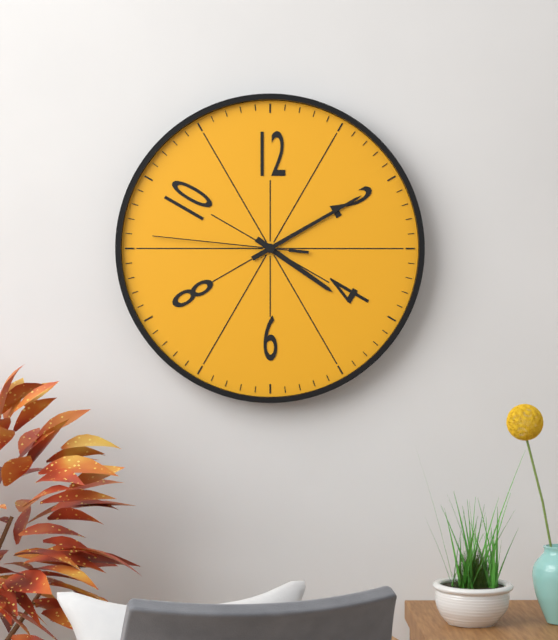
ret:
4:10:46
